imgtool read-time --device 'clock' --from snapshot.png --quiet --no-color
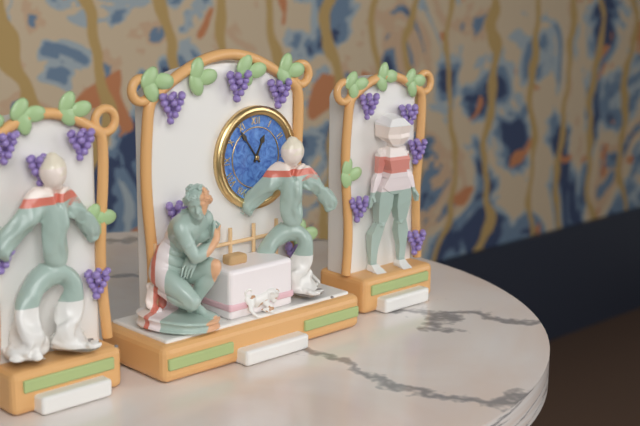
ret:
12:54
